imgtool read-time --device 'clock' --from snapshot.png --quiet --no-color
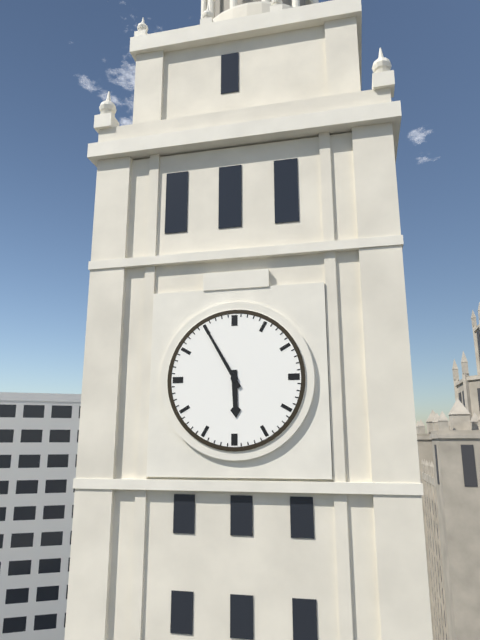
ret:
5:55
